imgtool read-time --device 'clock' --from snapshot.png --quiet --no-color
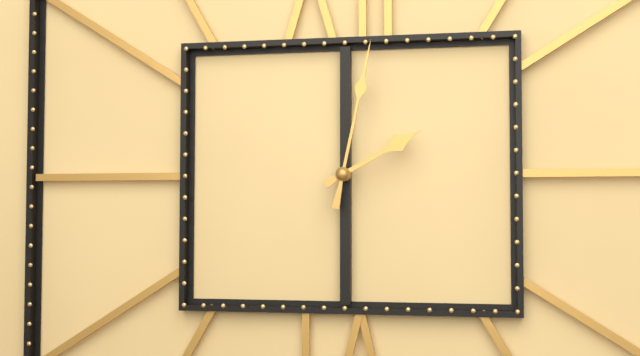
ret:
2:02
